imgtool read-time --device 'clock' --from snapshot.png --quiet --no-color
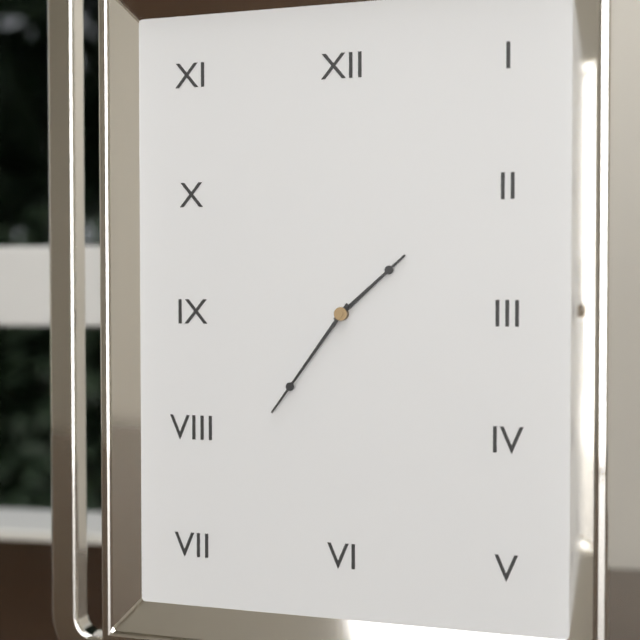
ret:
1:36
